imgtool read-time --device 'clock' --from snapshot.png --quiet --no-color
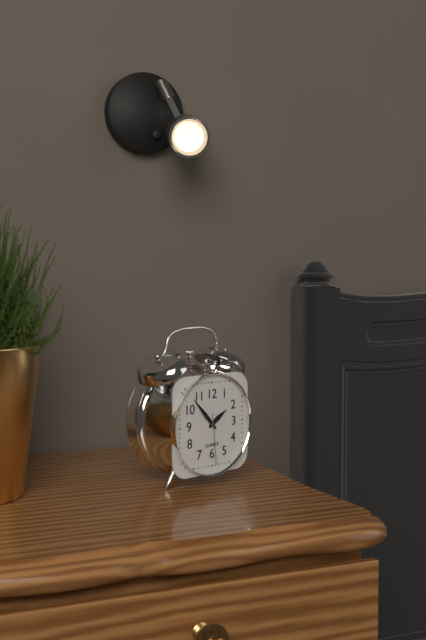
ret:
1:53:29
